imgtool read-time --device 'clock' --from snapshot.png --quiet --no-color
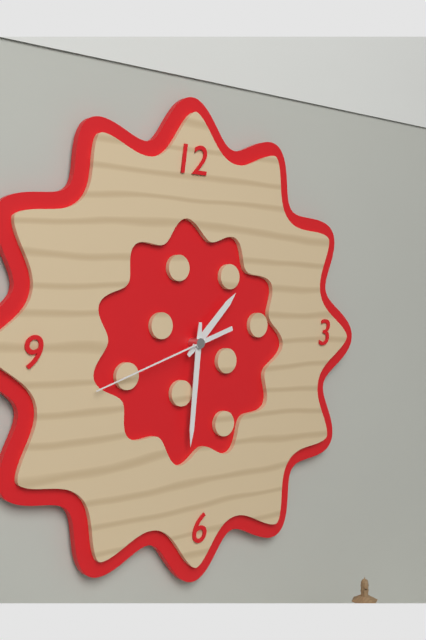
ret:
1:31:42
